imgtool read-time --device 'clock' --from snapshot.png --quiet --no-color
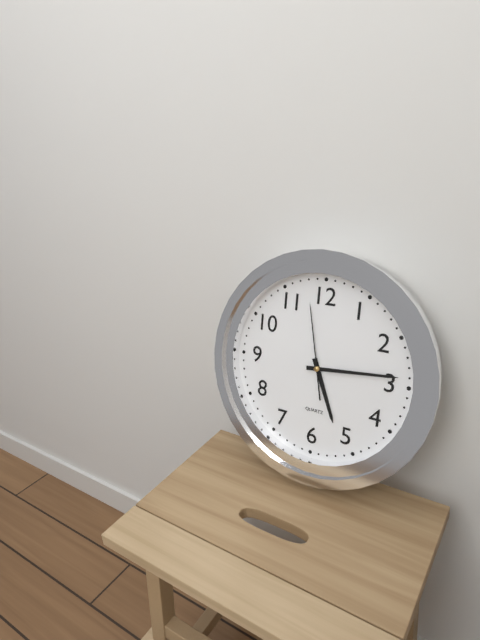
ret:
5:14:58
